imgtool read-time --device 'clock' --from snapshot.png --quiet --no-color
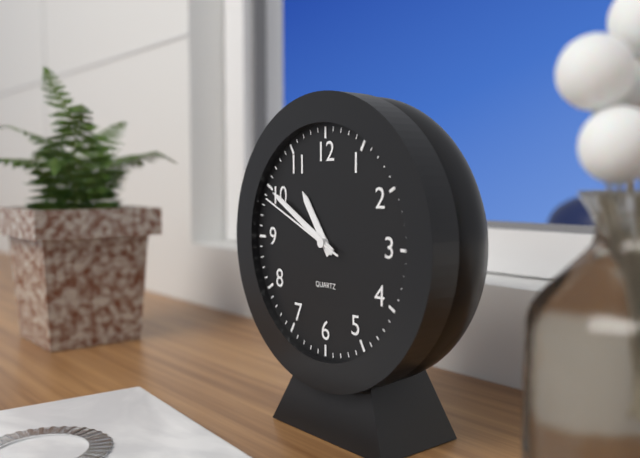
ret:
10:50:49
